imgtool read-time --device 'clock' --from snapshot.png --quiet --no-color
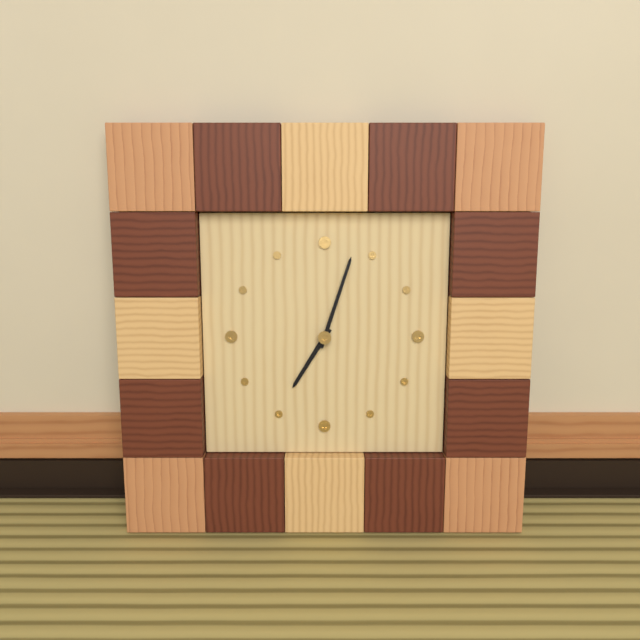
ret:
7:03
